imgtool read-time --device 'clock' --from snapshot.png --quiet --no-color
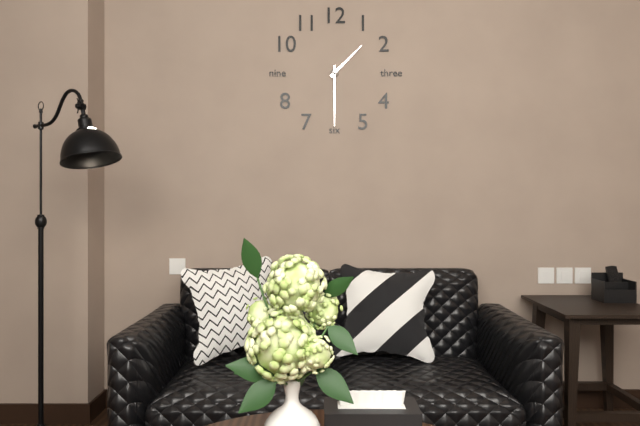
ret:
1:30
